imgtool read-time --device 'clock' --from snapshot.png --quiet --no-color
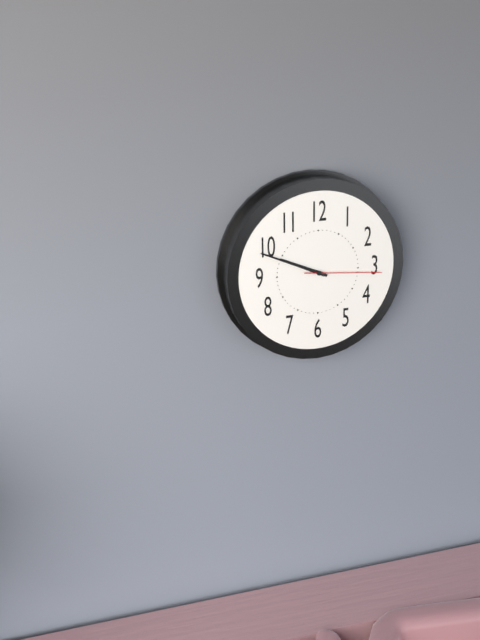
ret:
9:49:16
